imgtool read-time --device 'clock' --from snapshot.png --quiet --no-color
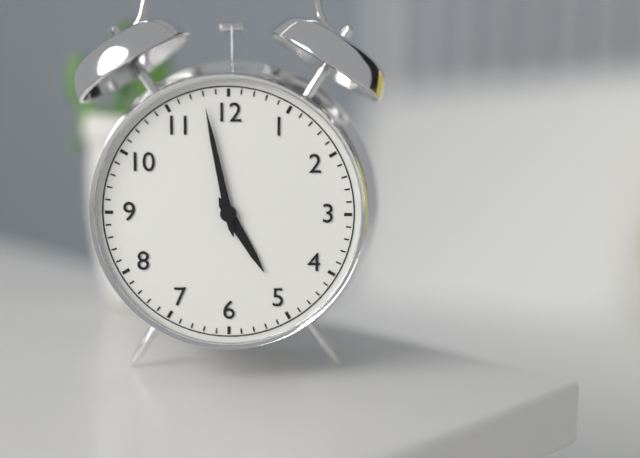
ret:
4:58
